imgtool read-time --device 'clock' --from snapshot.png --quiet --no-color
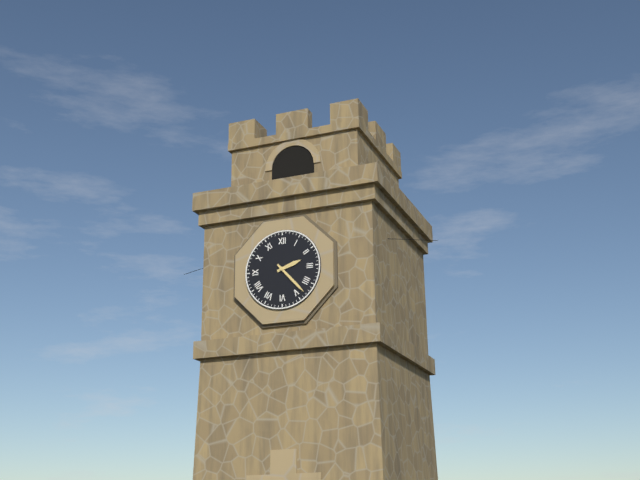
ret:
2:23
